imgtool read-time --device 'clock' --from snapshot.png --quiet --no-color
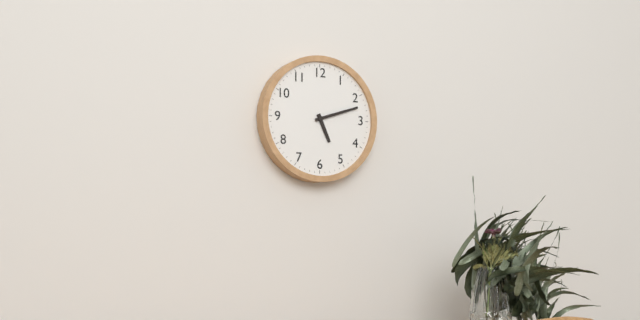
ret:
5:12
